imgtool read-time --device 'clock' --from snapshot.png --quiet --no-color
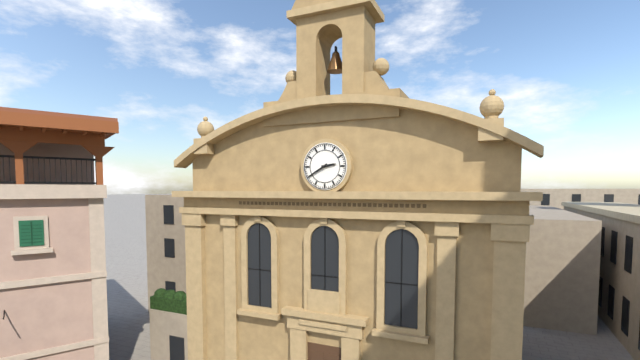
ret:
2:40
